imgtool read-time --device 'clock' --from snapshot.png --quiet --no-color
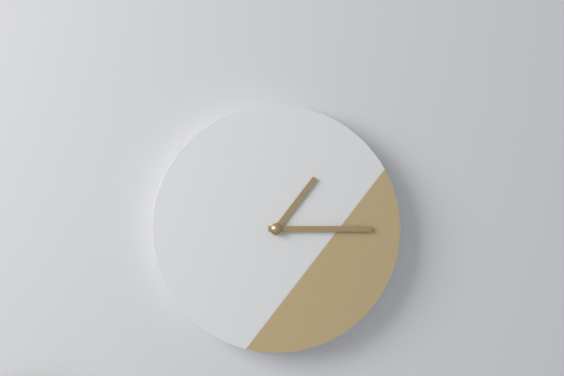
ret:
1:15
